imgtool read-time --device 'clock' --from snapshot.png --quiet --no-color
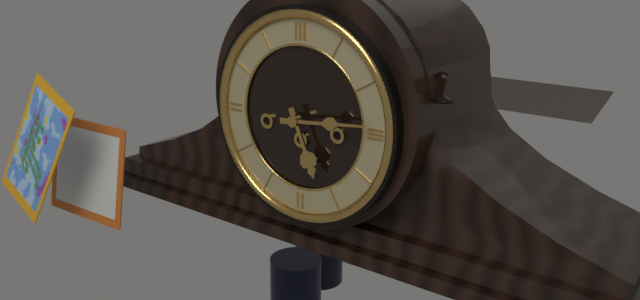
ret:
5:14
